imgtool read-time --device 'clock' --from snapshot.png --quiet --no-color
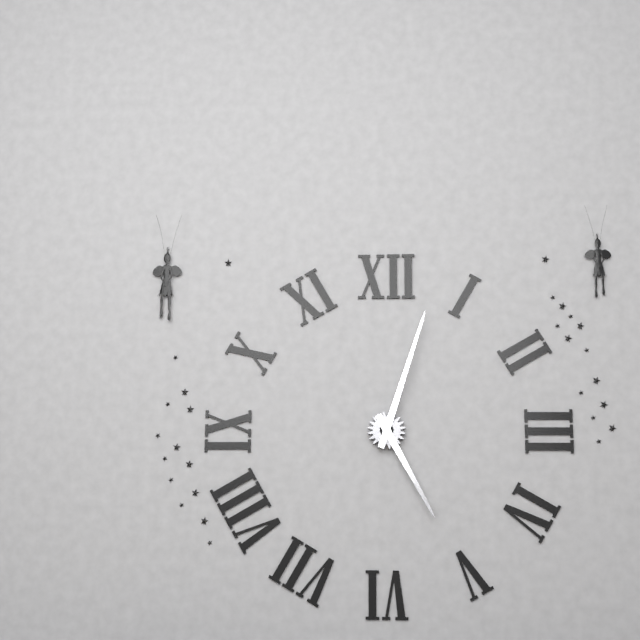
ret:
5:03
